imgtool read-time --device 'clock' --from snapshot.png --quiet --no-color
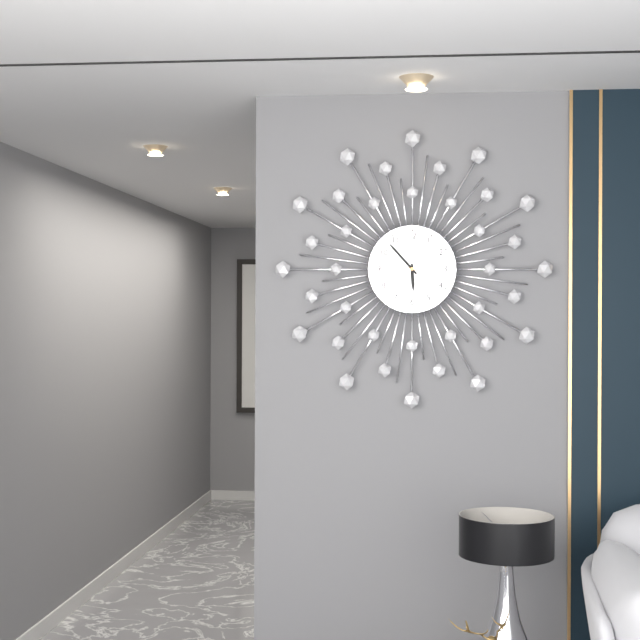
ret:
5:53
